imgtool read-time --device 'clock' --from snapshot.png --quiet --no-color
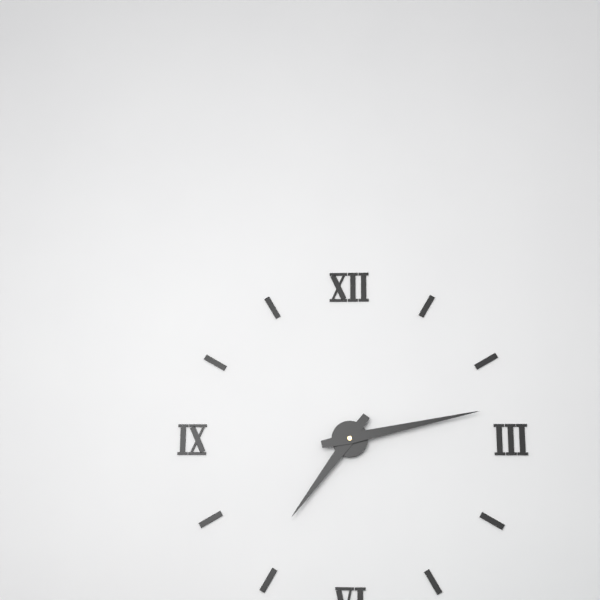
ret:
7:13
